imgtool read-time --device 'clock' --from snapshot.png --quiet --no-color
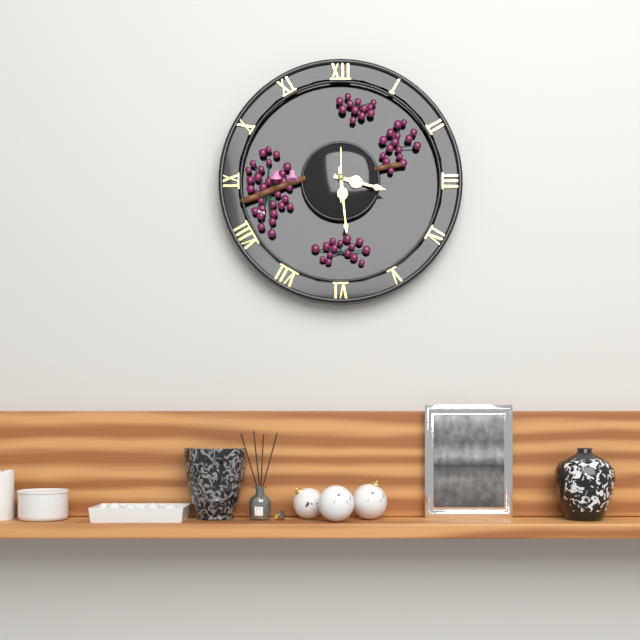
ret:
3:29
